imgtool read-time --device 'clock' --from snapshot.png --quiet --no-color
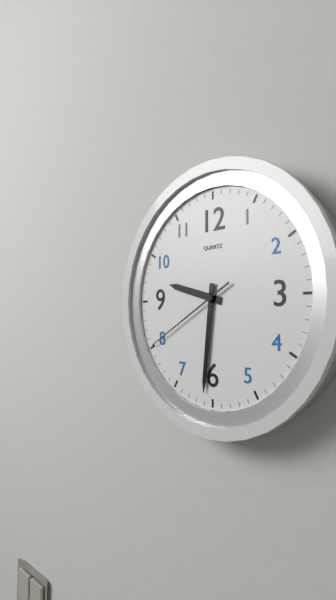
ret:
9:31:40
